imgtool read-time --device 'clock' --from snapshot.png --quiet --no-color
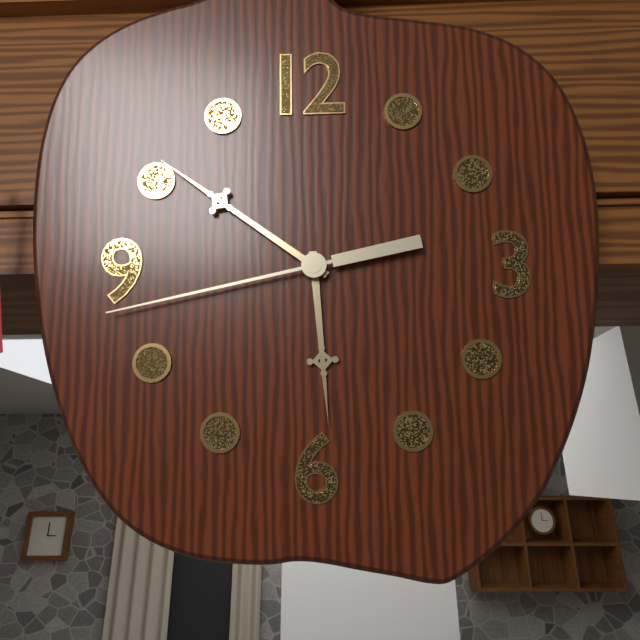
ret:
5:51:43
